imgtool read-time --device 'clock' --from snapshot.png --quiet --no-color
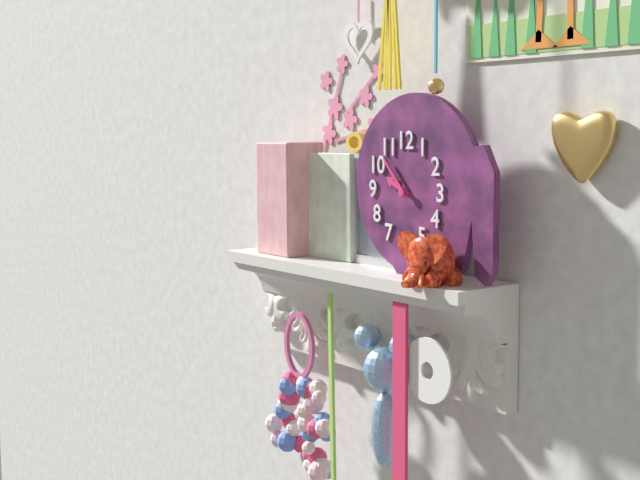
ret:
9:53
